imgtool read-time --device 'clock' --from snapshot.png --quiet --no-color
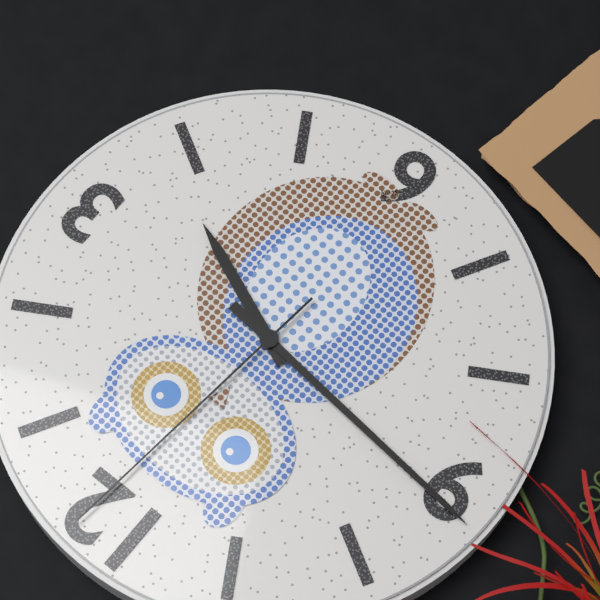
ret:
3:46:01
